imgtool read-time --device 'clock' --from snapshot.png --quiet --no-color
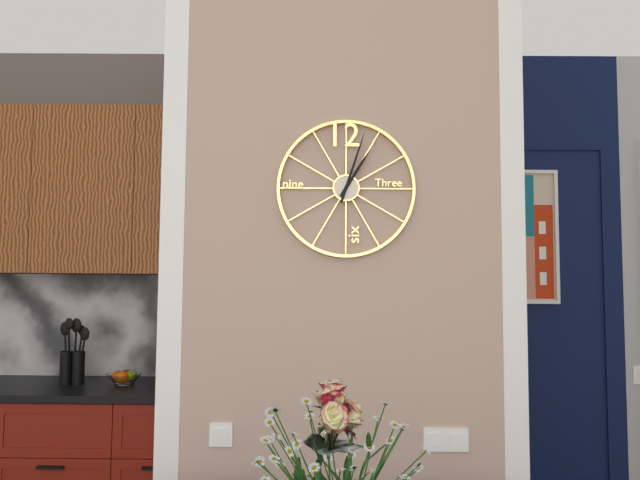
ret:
1:03
